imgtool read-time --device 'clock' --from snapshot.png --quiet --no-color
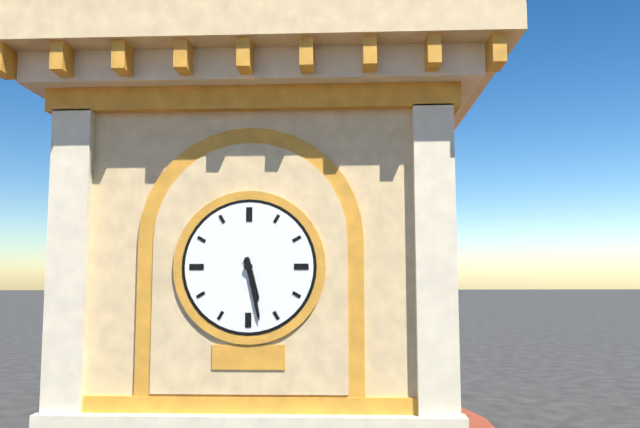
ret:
5:28
